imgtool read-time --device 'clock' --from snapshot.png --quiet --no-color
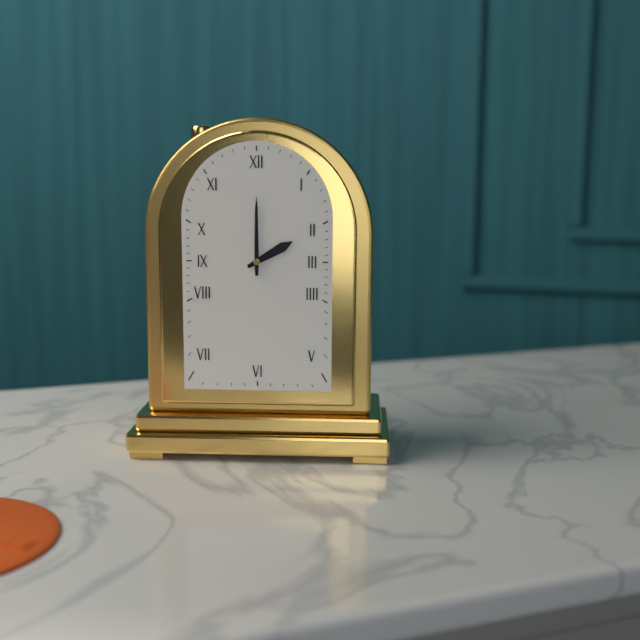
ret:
2:00
